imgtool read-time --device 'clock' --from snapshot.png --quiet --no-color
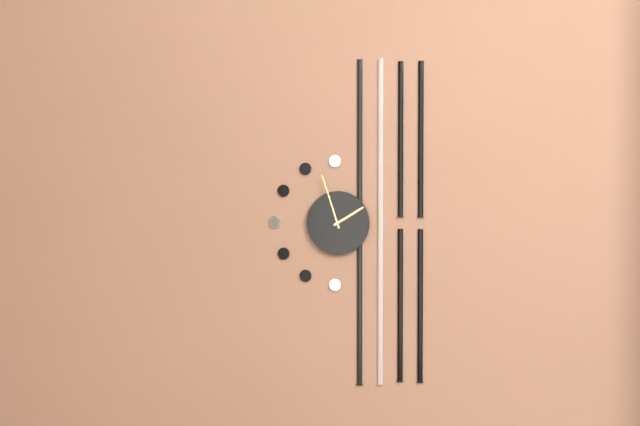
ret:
1:57
